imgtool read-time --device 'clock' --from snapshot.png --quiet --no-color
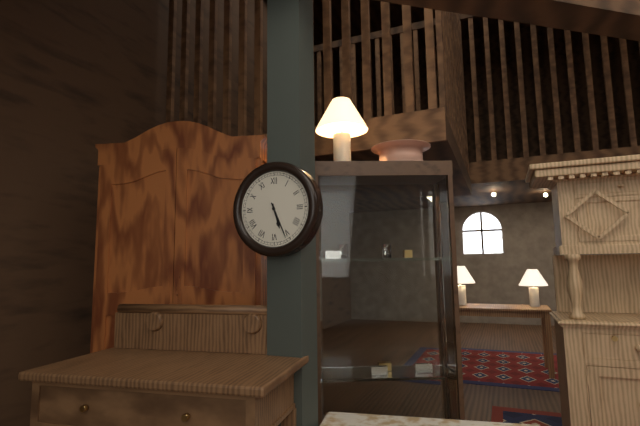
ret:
5:26
